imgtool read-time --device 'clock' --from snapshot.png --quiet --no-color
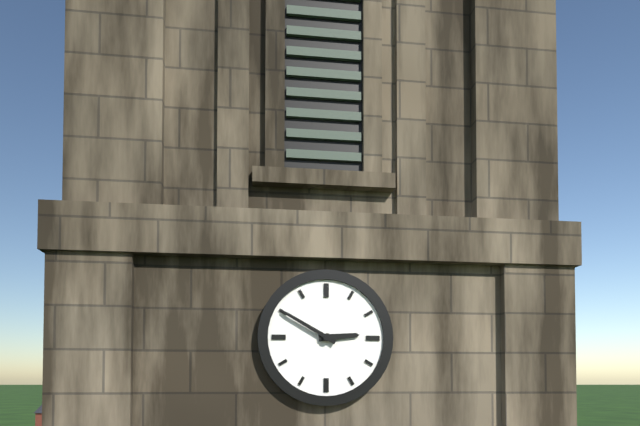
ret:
2:50
